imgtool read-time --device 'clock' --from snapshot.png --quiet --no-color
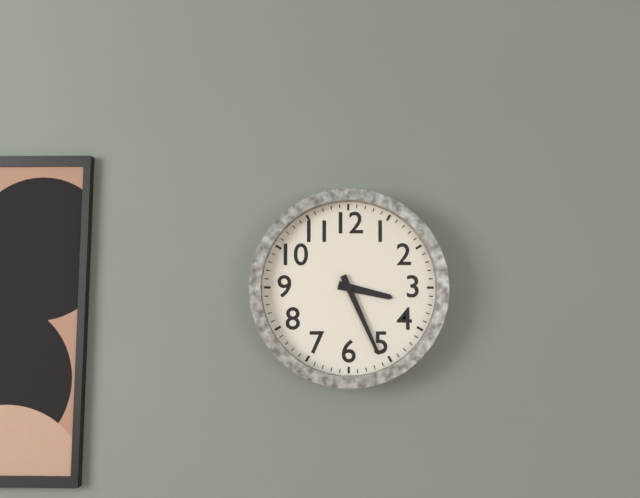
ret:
3:26
